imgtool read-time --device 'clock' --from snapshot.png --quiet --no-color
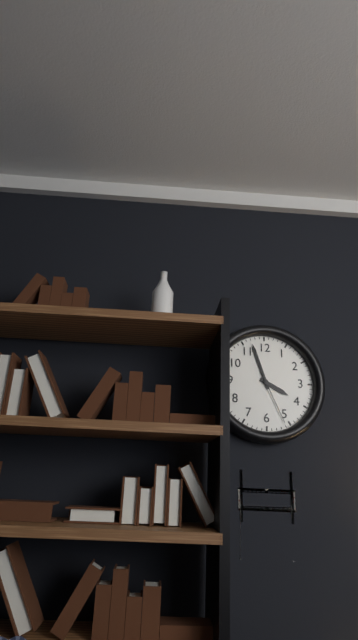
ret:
3:57:26
